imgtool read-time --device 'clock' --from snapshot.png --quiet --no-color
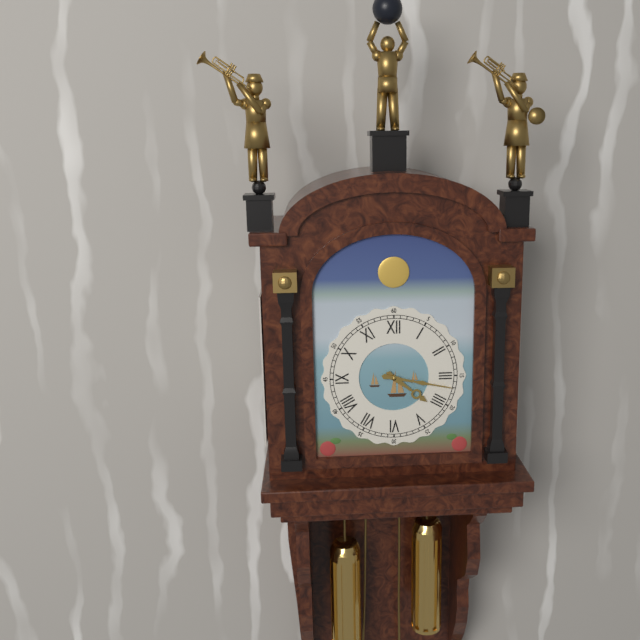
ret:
4:17
